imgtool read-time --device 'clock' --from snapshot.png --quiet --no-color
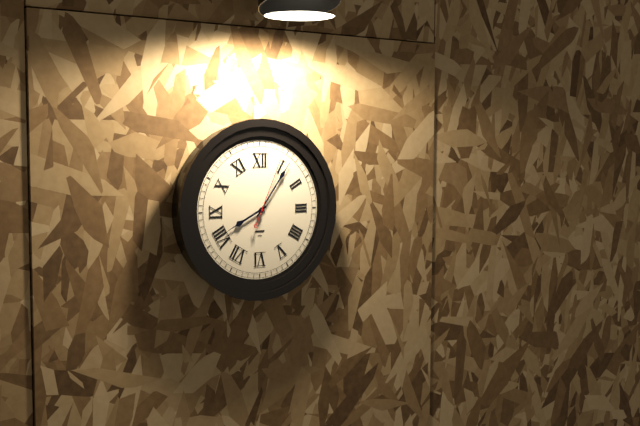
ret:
8:06:04
